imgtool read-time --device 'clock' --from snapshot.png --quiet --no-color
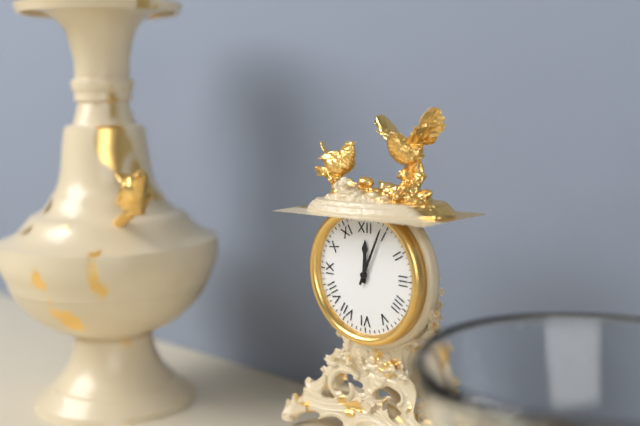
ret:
12:04
